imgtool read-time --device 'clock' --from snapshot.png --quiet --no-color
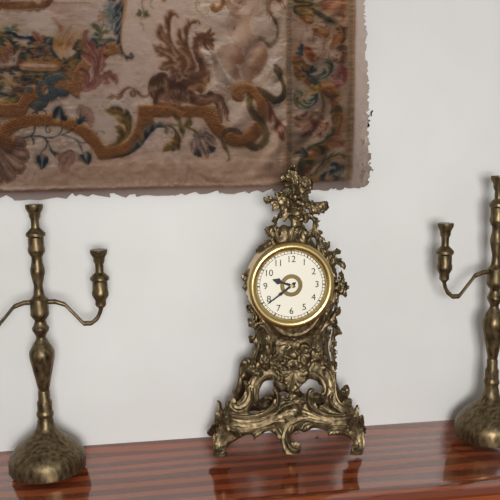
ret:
9:39
